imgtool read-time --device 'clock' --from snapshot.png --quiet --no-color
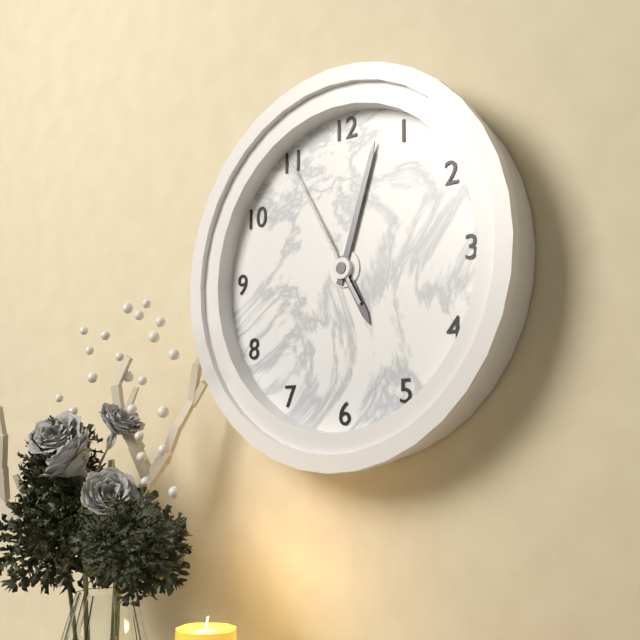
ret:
5:03:55
